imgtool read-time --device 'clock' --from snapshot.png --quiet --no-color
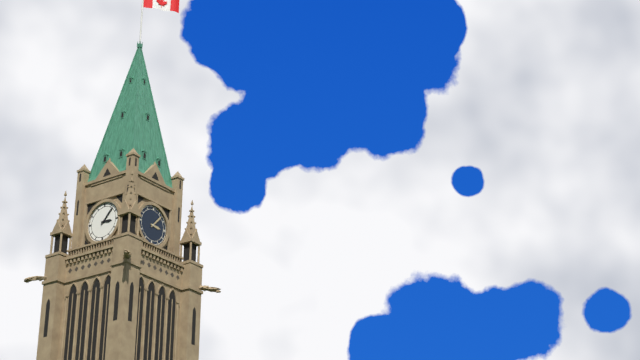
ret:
3:07
